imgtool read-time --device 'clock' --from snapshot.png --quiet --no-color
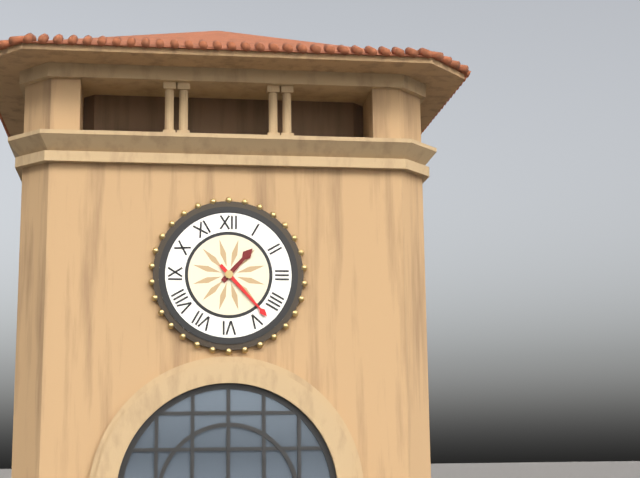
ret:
1:23
